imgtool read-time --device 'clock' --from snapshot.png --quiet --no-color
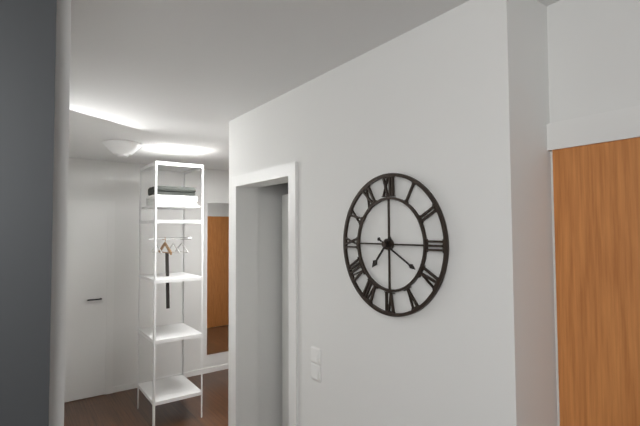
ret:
7:20
